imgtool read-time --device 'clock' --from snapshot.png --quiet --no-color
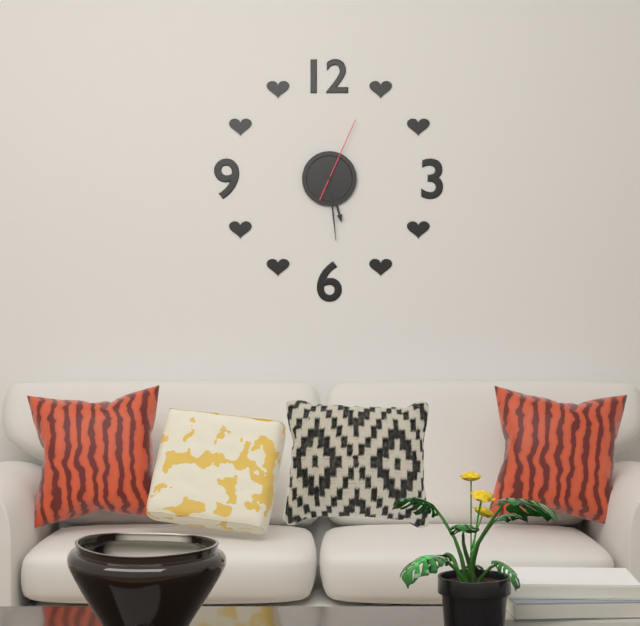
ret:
5:29:04
